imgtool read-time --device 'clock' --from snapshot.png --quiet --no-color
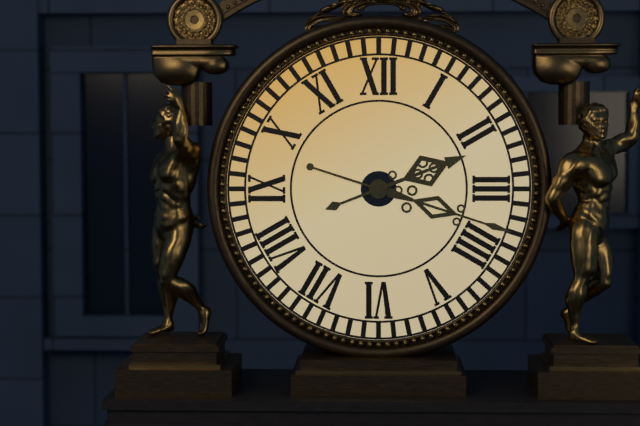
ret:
2:18
